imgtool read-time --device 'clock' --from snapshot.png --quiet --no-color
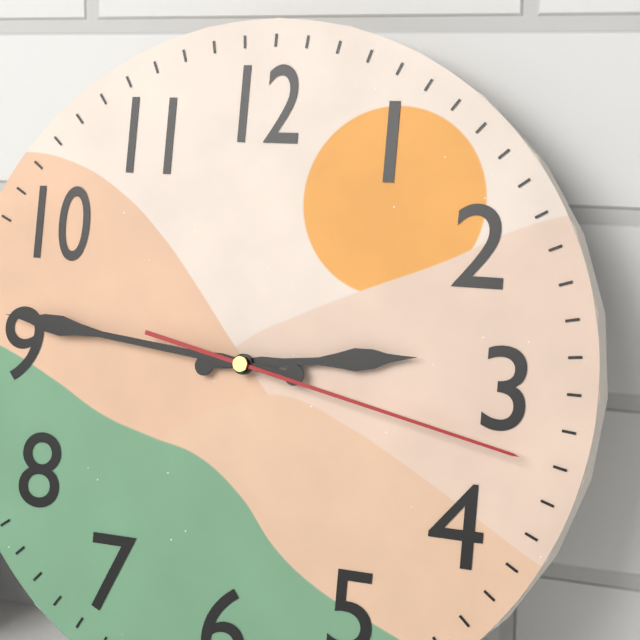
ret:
2:46:17
